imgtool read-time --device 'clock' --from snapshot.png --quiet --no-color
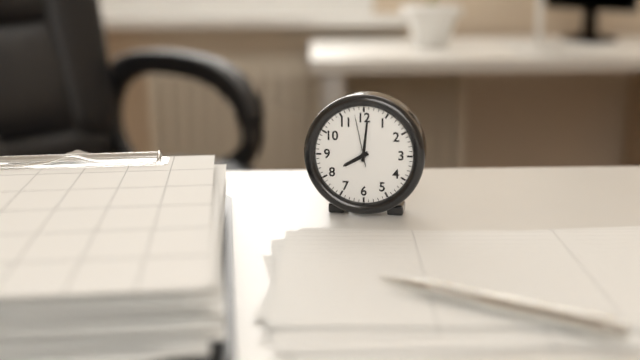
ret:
8:01
